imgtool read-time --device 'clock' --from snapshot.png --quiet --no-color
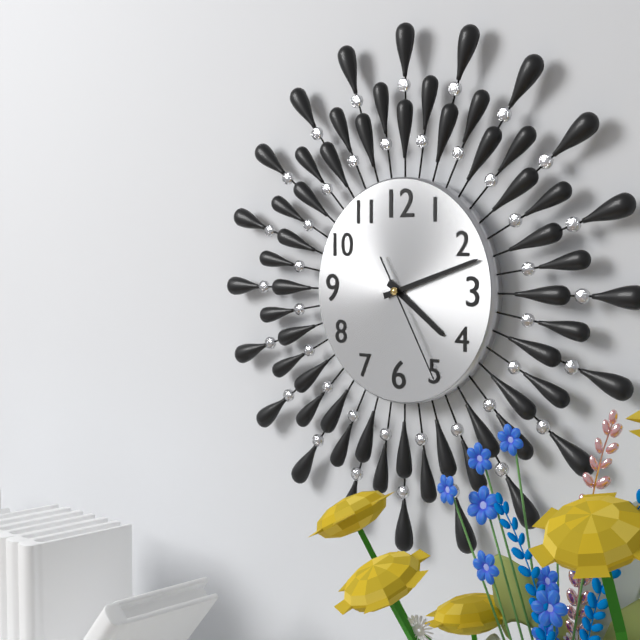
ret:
4:12:25
